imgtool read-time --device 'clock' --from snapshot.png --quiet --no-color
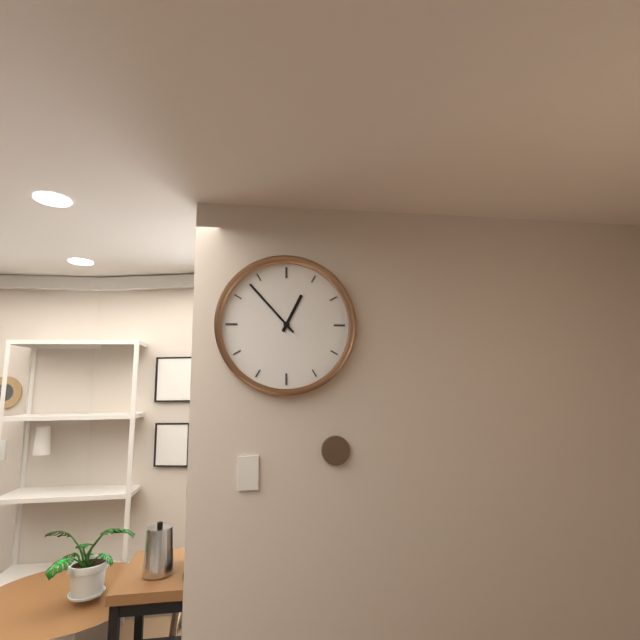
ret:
12:53
